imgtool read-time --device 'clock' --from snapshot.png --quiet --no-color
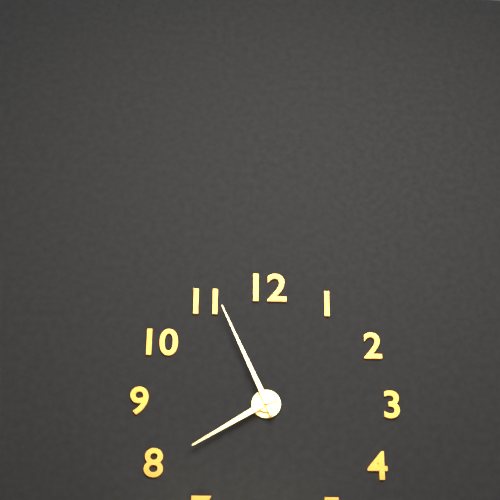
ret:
7:56
